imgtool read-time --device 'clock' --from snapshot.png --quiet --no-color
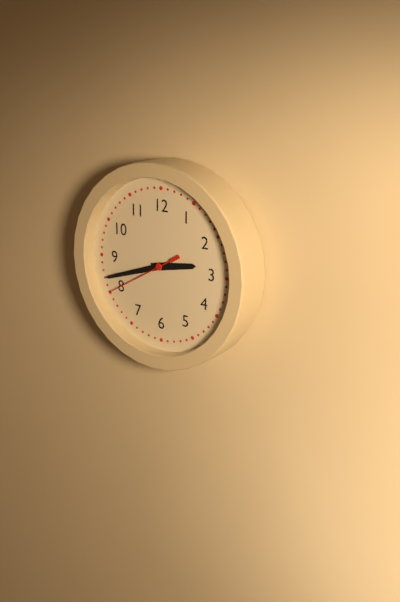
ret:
2:42:40
